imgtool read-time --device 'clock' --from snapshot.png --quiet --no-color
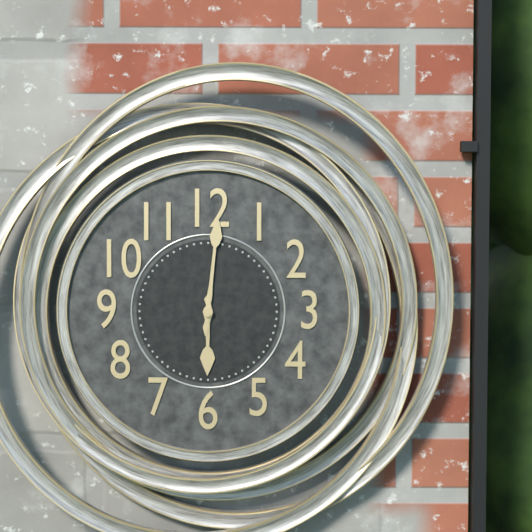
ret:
6:01
